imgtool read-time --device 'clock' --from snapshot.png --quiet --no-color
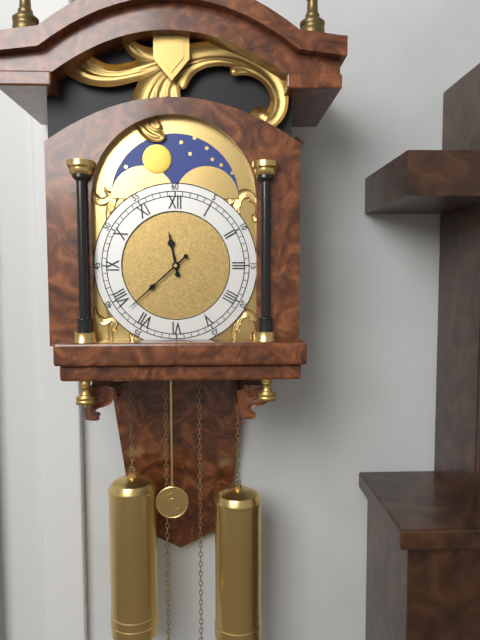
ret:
11:38
